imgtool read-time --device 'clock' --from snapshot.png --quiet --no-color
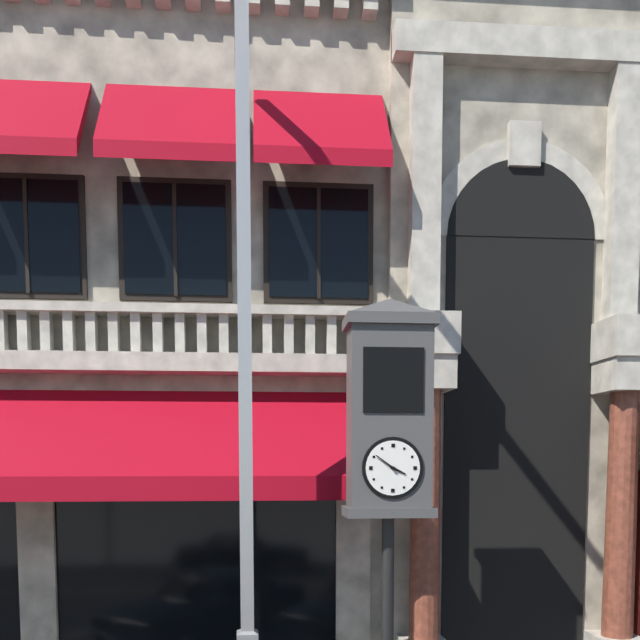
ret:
3:51
